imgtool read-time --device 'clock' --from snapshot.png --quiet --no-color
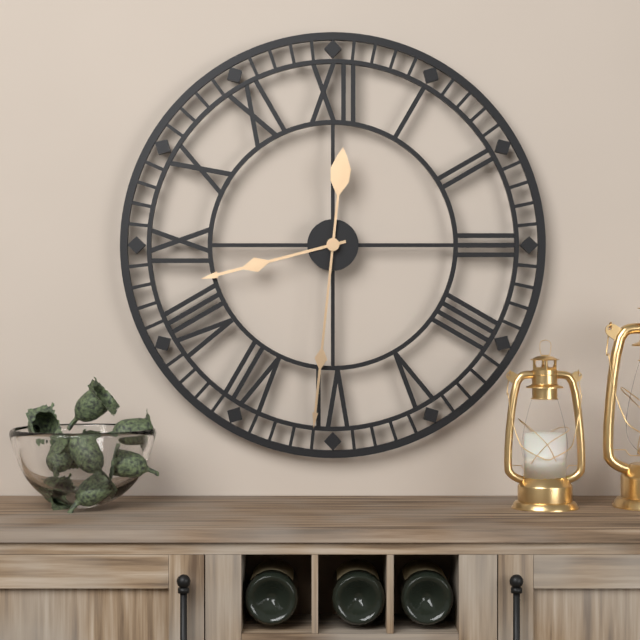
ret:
8:31
